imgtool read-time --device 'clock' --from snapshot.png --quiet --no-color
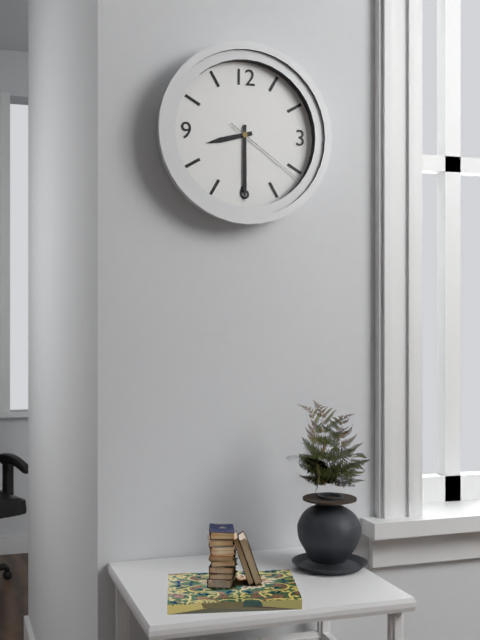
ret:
8:30:21
